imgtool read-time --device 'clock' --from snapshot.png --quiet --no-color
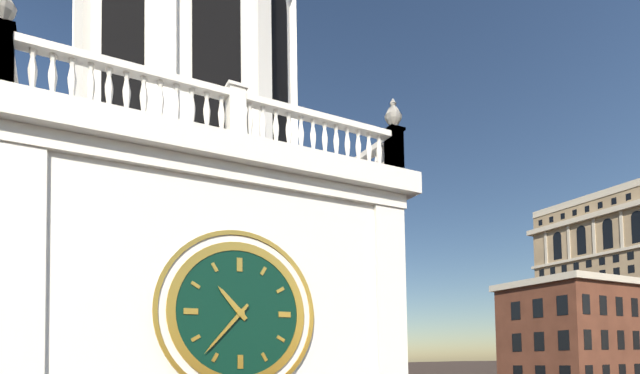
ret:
10:37
